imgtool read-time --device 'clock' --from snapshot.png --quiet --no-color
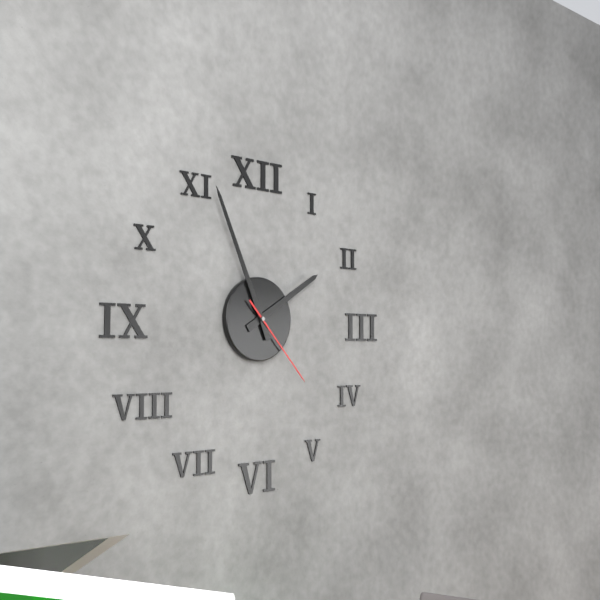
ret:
1:56:23
